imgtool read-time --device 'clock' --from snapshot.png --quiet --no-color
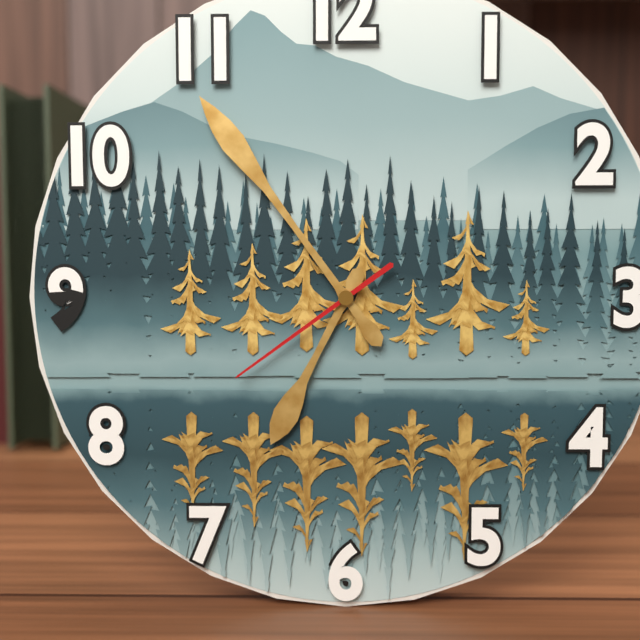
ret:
6:54:39
